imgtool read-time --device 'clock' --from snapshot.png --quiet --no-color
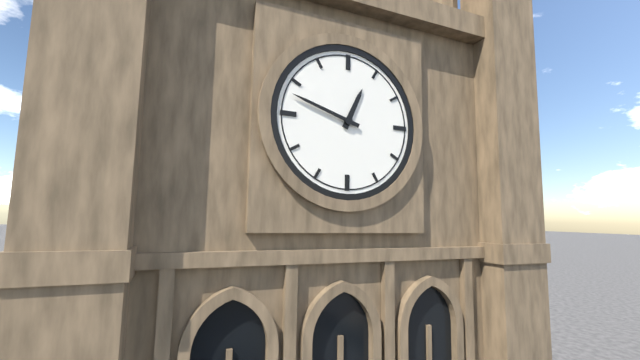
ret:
12:48
